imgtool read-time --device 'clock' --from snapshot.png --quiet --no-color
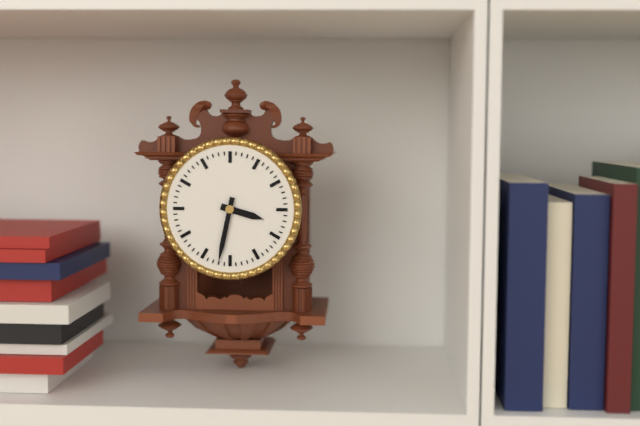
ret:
3:32
